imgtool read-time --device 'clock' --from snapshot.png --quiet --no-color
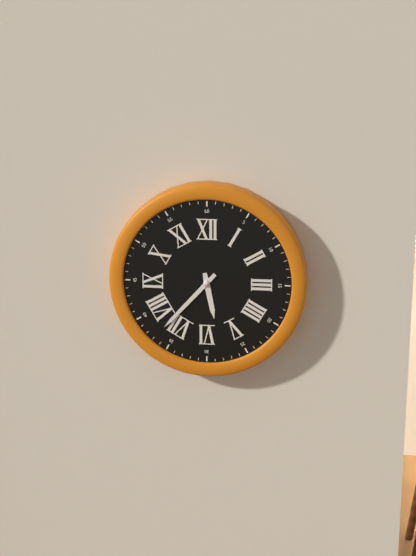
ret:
5:37
